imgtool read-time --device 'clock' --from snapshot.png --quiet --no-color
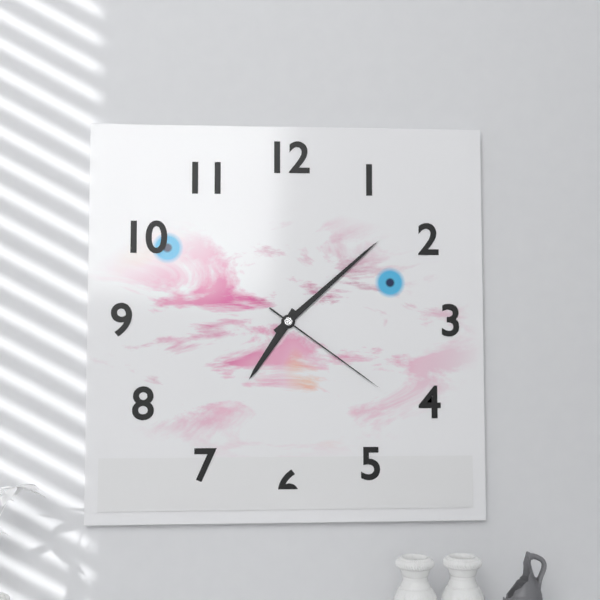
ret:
7:08:21
